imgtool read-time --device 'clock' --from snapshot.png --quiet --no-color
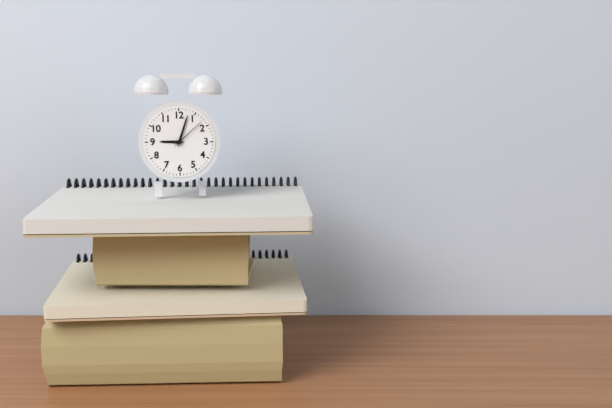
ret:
9:03
